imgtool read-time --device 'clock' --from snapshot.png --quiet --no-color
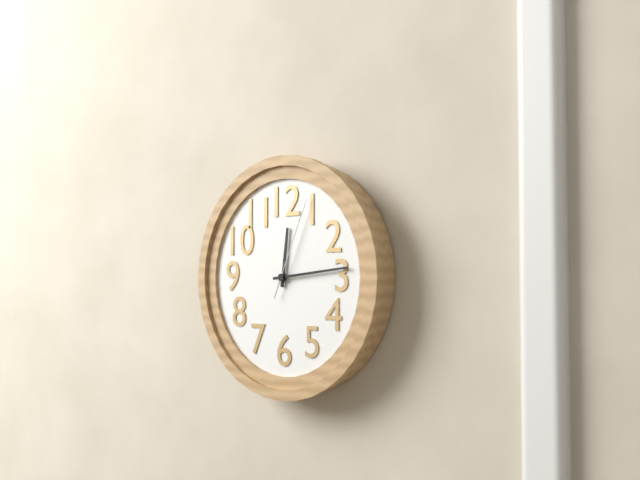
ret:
12:14:04
